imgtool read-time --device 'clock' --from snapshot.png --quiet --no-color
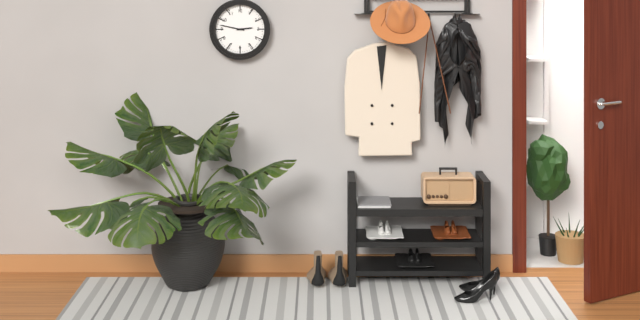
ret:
2:47
